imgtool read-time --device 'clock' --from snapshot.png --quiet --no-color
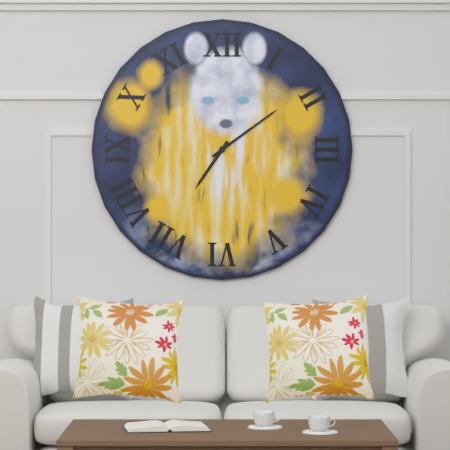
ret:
7:09
